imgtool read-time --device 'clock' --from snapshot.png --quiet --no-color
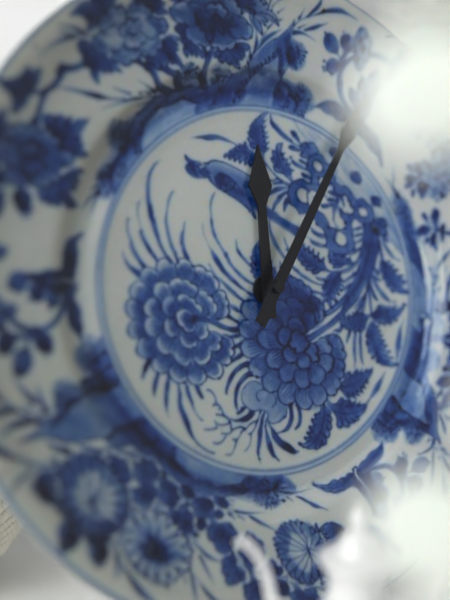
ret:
12:06
